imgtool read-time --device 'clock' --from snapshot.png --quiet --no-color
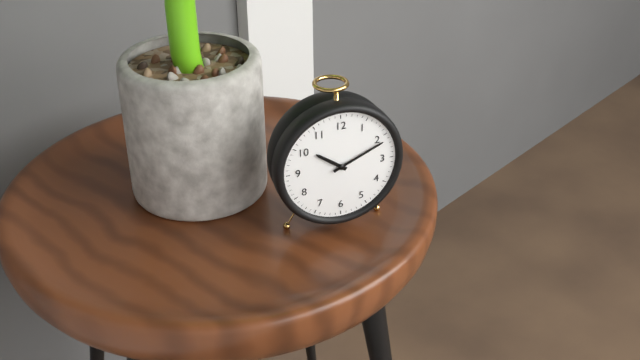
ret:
10:11
